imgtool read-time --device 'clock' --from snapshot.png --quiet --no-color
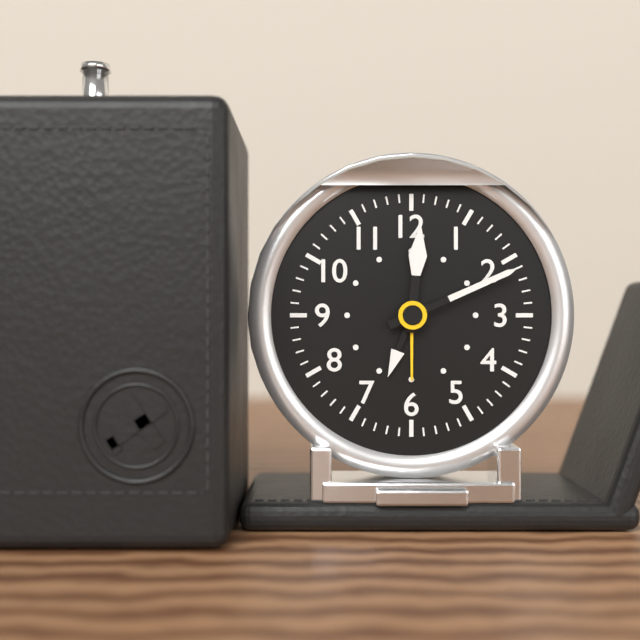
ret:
12:11
